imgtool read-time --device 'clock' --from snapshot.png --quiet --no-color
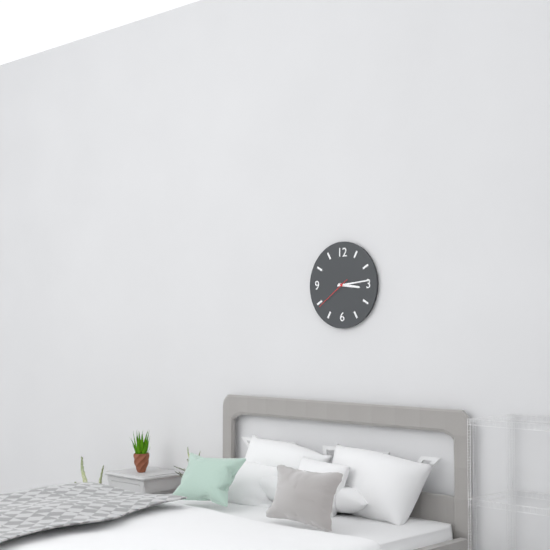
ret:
3:14
